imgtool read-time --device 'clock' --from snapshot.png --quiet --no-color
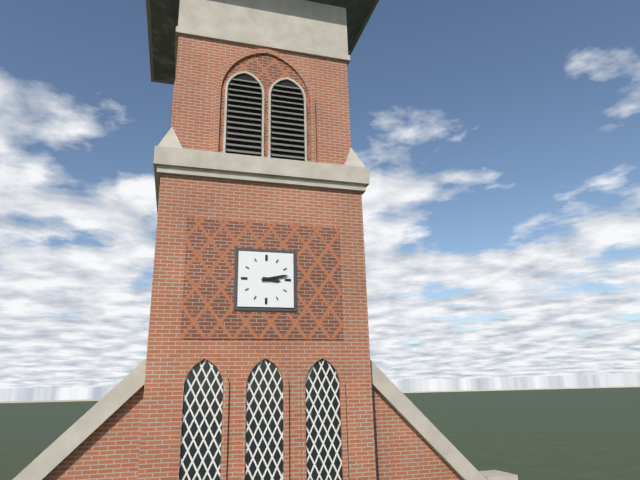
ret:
3:13
